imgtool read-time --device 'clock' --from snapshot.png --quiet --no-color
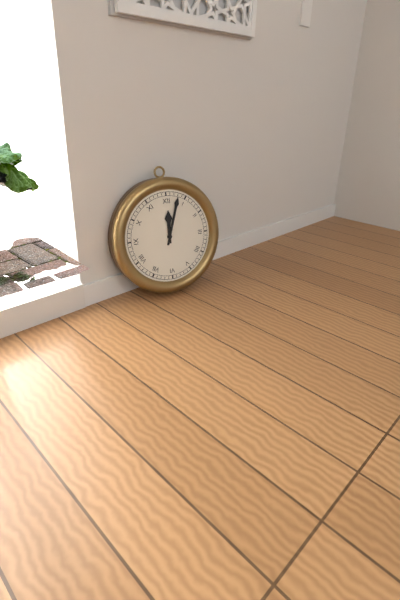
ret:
12:03
